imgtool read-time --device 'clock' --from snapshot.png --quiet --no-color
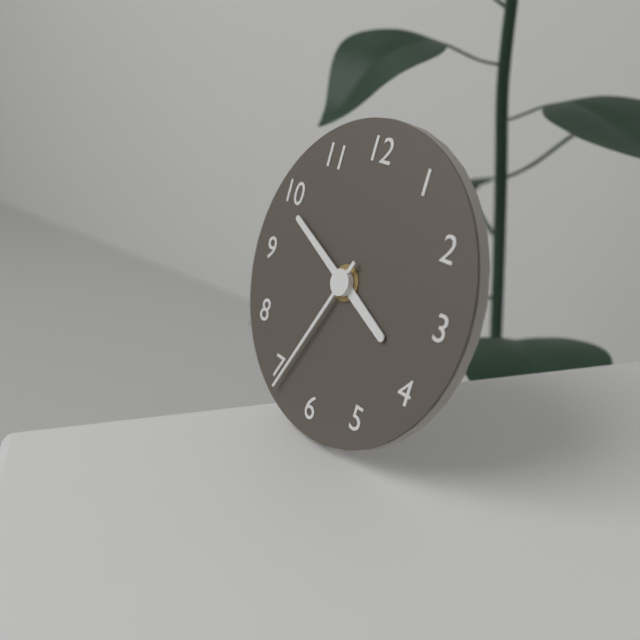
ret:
3:49:34
